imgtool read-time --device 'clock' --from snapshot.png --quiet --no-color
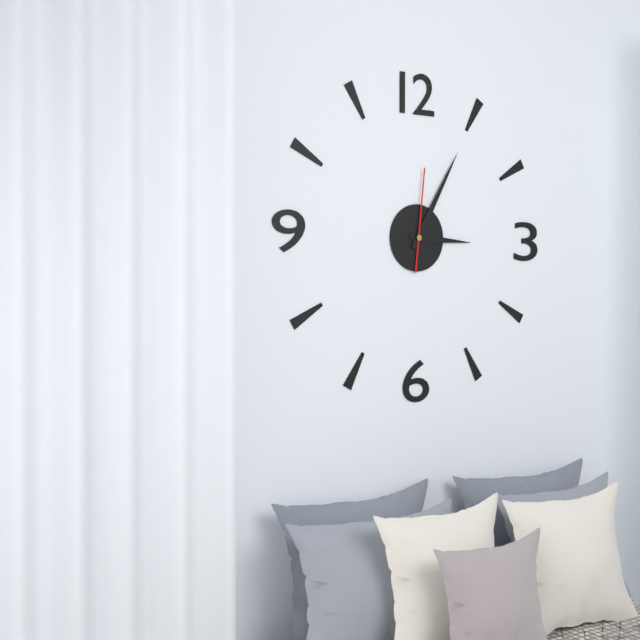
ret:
3:05:01
